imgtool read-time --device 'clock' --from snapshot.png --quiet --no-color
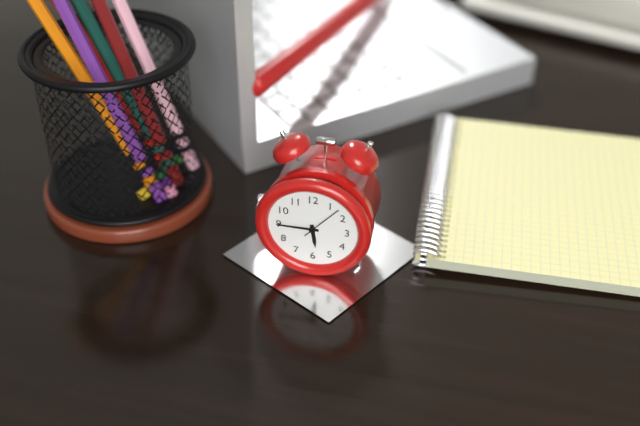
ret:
5:45
